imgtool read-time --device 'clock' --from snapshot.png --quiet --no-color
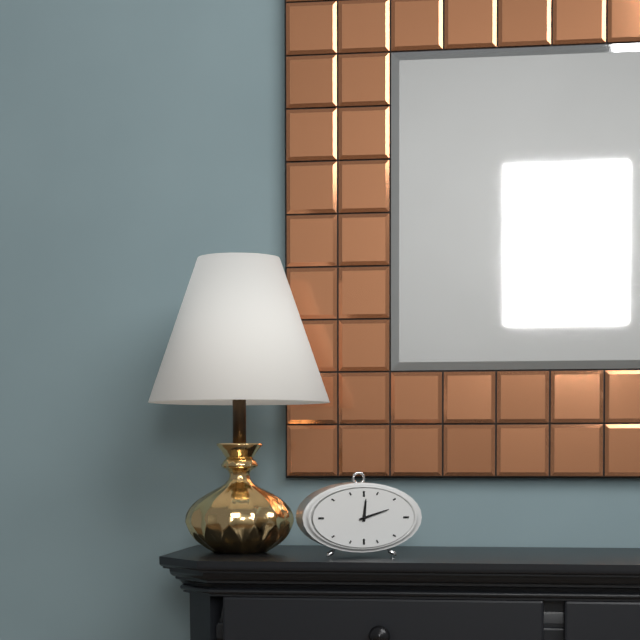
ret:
12:12
